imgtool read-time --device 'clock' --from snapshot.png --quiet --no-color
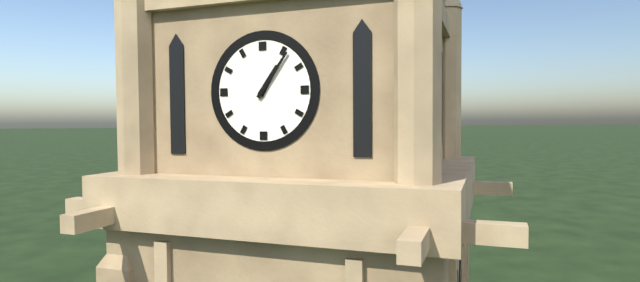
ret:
1:06
